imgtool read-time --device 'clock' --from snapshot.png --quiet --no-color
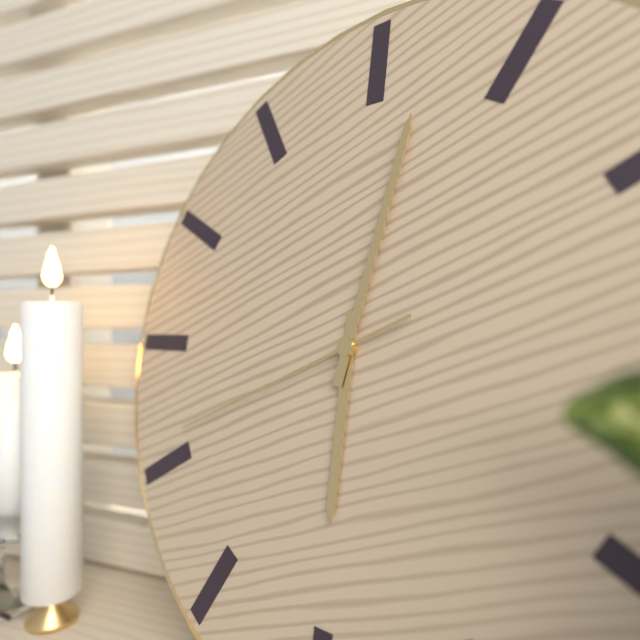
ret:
6:02:41
